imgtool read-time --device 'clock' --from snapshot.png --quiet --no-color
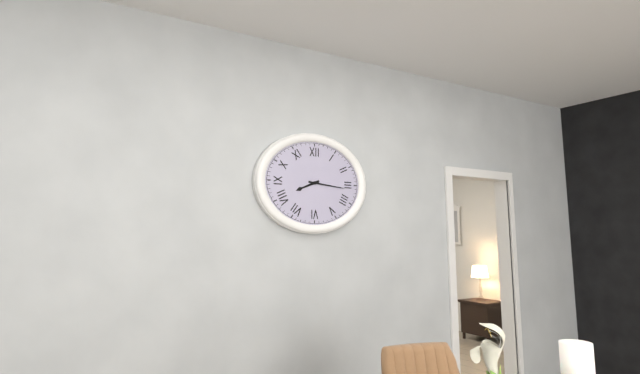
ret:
8:16
